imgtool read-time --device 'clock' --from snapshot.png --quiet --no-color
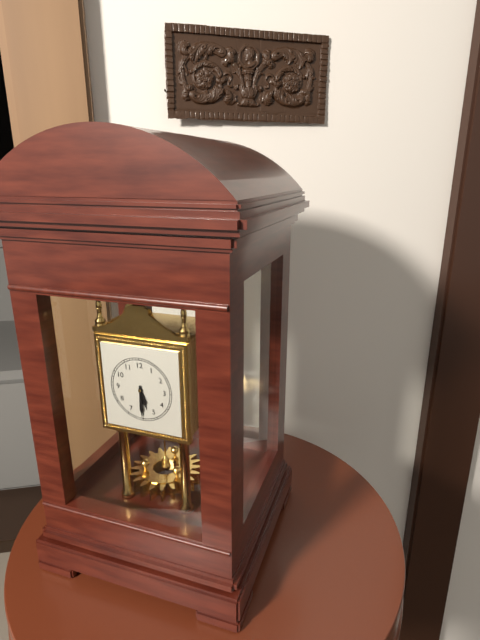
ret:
5:30
